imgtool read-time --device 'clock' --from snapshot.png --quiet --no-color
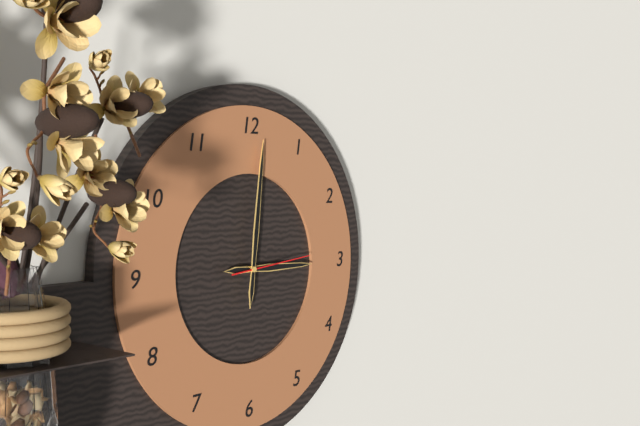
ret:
3:01:14
